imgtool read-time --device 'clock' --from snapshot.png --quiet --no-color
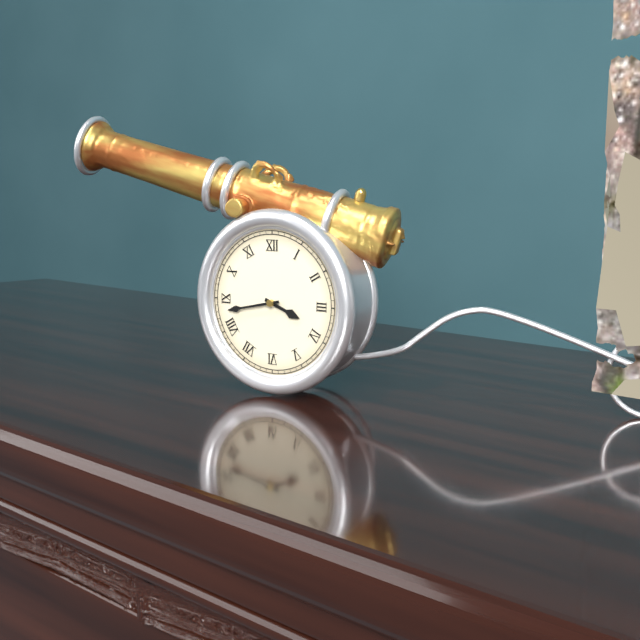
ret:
3:43
